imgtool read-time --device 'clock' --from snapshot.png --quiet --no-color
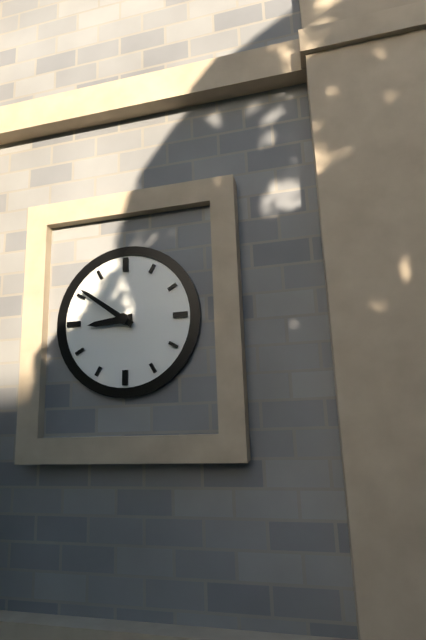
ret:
8:51
